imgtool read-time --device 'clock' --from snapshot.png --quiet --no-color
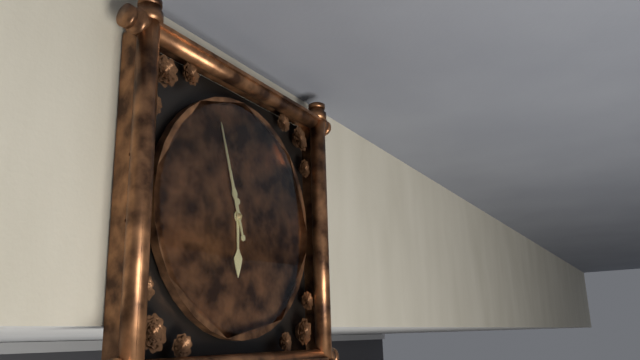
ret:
5:57
